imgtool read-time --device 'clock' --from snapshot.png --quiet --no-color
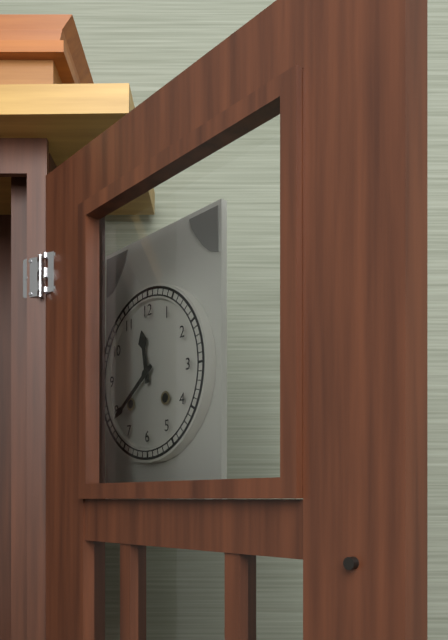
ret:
11:39
